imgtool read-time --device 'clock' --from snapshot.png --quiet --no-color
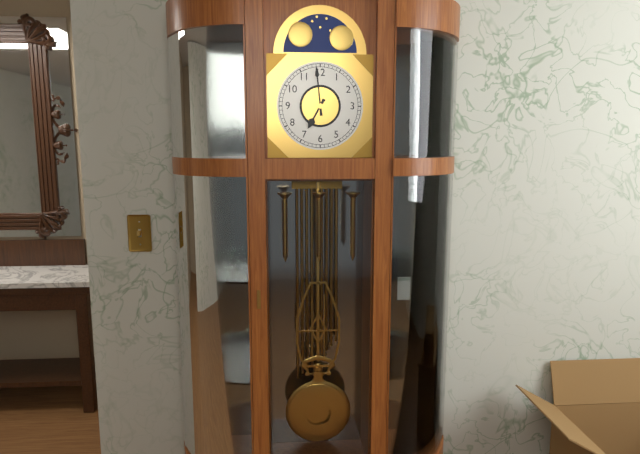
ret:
6:59
